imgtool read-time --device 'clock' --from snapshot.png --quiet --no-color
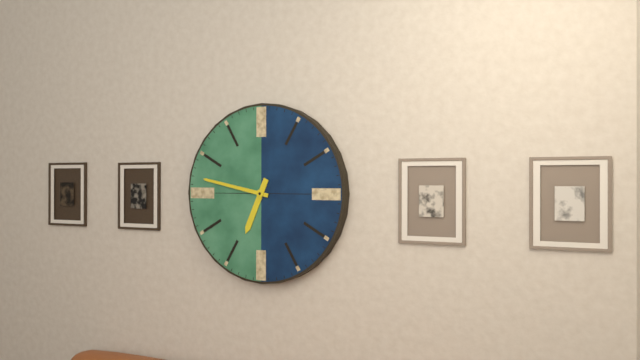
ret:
6:47
